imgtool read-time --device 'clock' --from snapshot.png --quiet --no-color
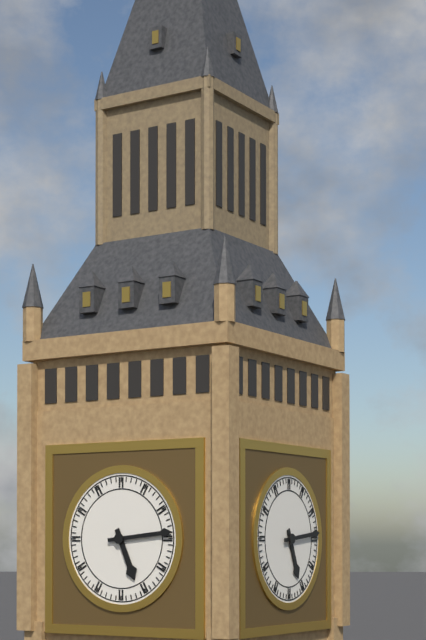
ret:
5:14
